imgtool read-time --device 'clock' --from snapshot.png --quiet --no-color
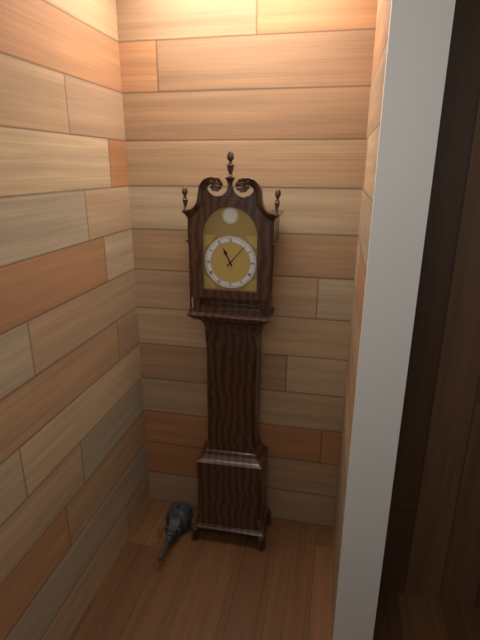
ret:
11:07
